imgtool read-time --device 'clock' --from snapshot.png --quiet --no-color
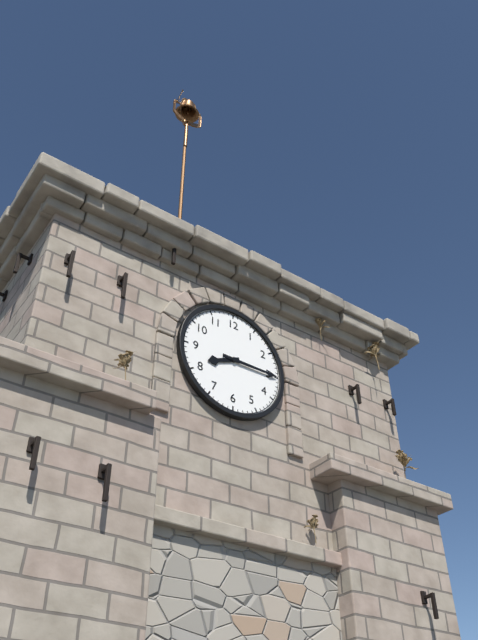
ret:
8:15
